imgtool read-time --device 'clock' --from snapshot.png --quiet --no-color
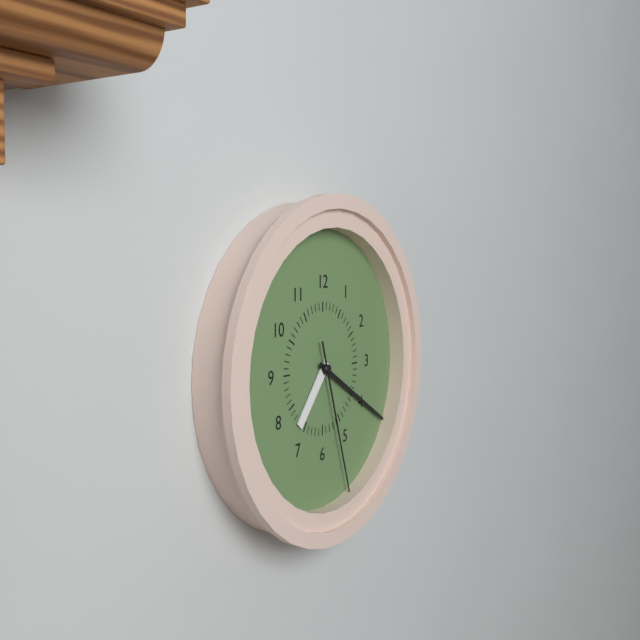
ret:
7:20:27
